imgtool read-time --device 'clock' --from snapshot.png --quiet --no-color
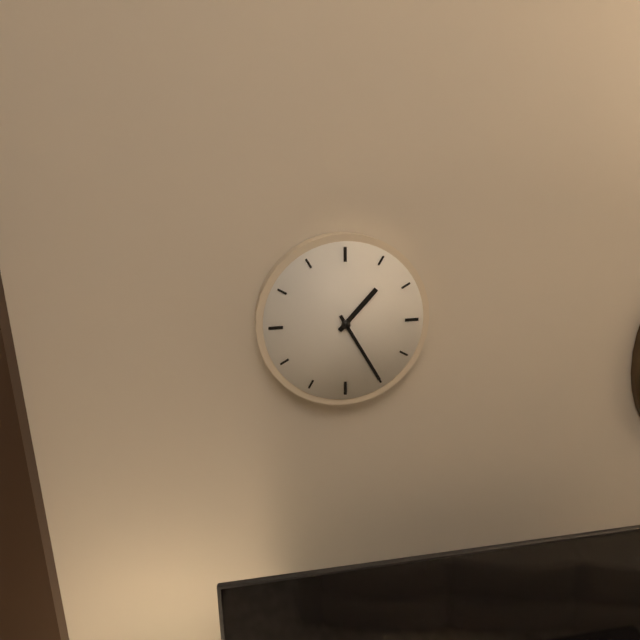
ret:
1:25
